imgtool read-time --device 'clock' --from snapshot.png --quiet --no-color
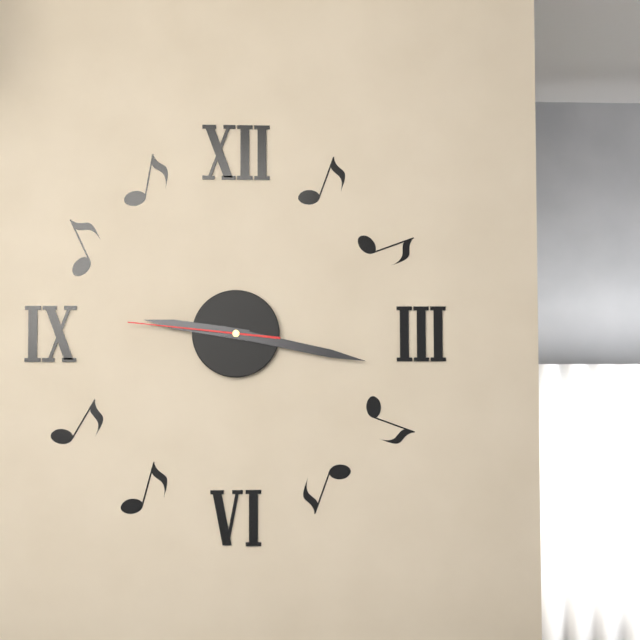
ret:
9:17:46
